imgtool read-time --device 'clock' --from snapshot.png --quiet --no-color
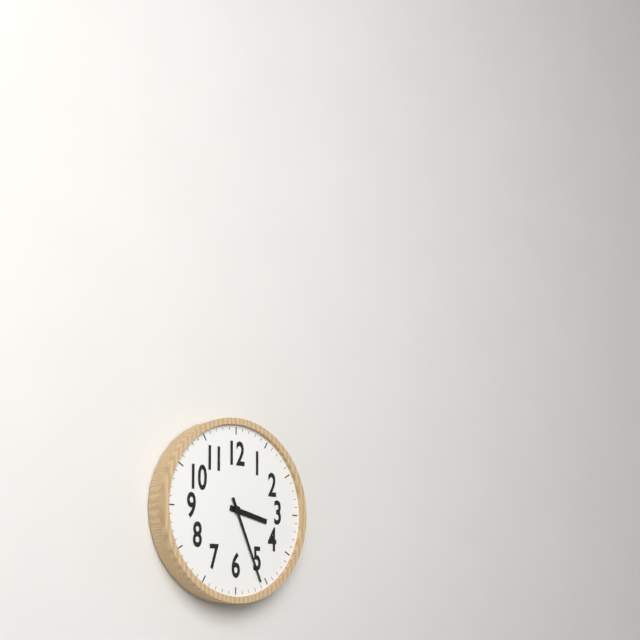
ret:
3:26
